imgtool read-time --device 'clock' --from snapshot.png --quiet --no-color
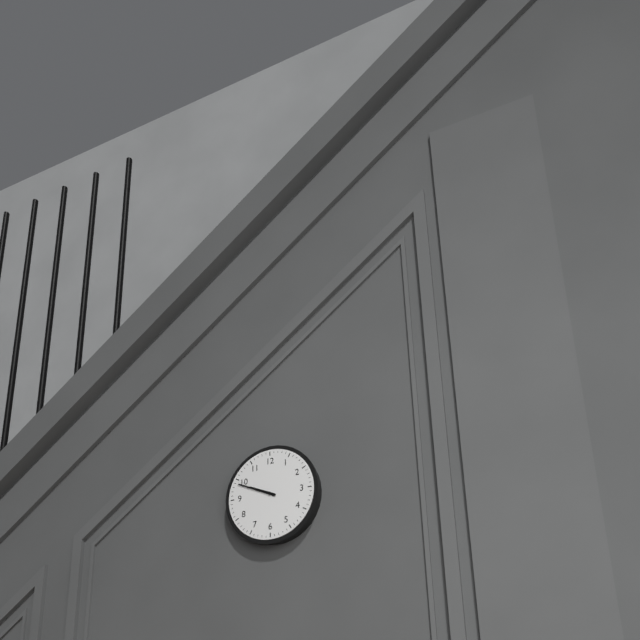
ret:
9:49
